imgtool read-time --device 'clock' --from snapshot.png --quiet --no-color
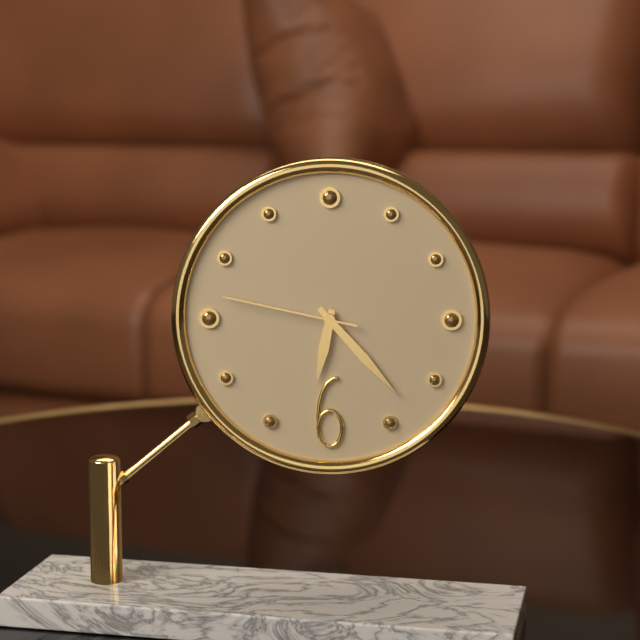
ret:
6:23:47
